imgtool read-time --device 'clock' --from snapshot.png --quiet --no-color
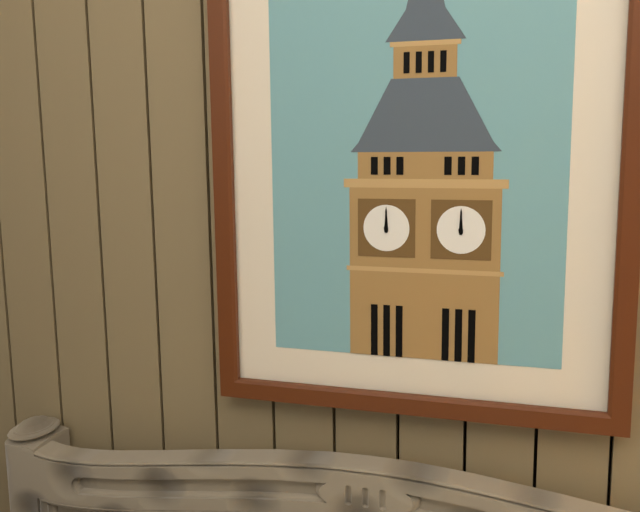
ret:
12:00
